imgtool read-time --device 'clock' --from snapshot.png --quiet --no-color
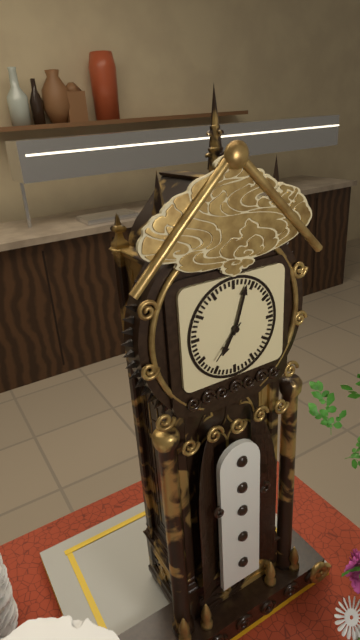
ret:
7:03:37
